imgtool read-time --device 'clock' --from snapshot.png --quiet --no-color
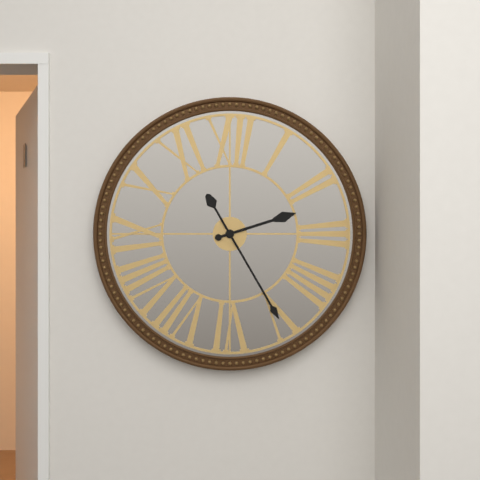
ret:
2:25
